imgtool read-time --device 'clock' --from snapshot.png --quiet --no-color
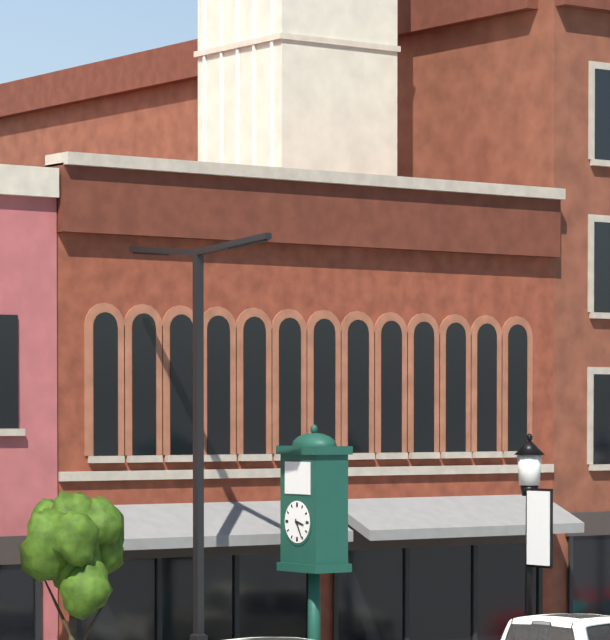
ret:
3:25
